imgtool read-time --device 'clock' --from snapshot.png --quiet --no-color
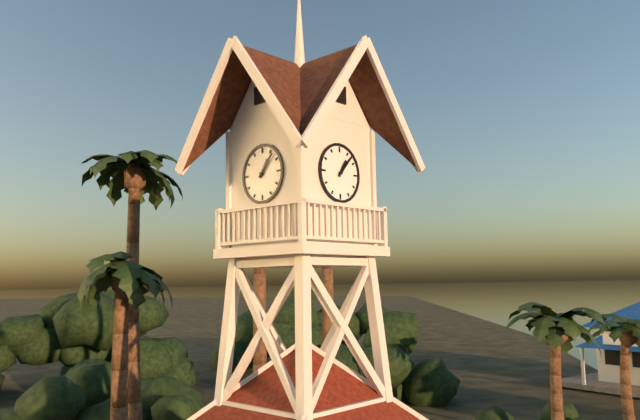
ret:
1:07
